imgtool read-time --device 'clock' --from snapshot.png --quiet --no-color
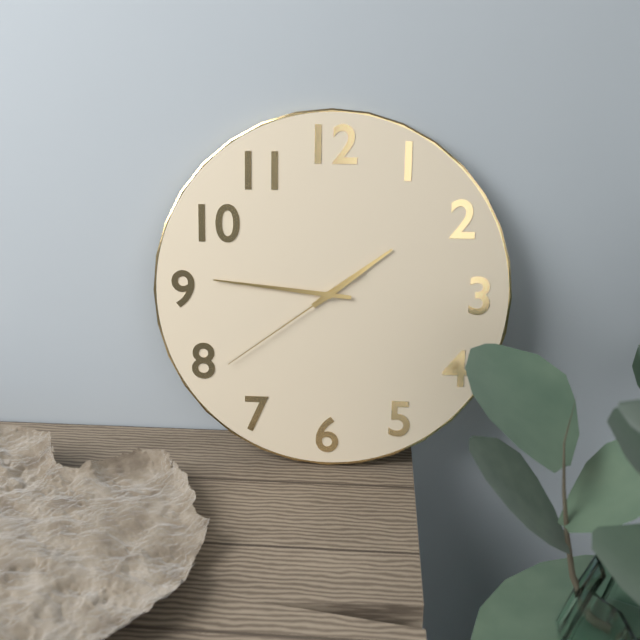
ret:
1:46:39
